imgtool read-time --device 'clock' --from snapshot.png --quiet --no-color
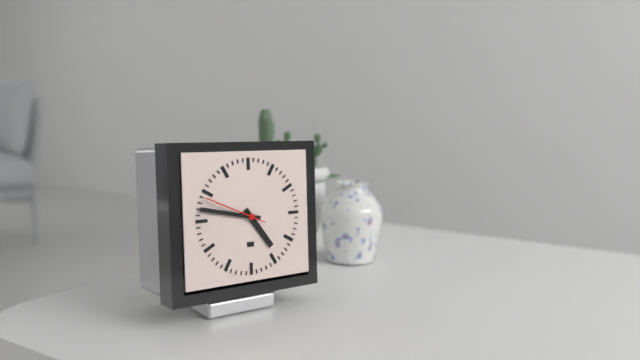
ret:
4:47:49
